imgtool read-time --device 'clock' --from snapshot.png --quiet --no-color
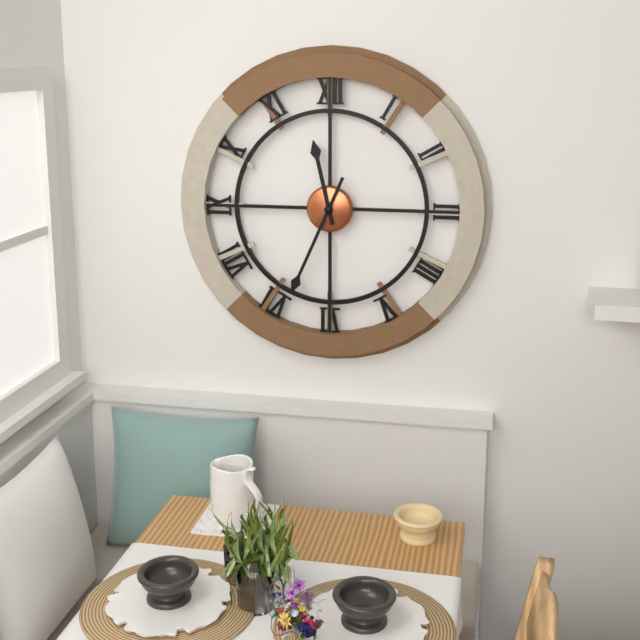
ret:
11:34
